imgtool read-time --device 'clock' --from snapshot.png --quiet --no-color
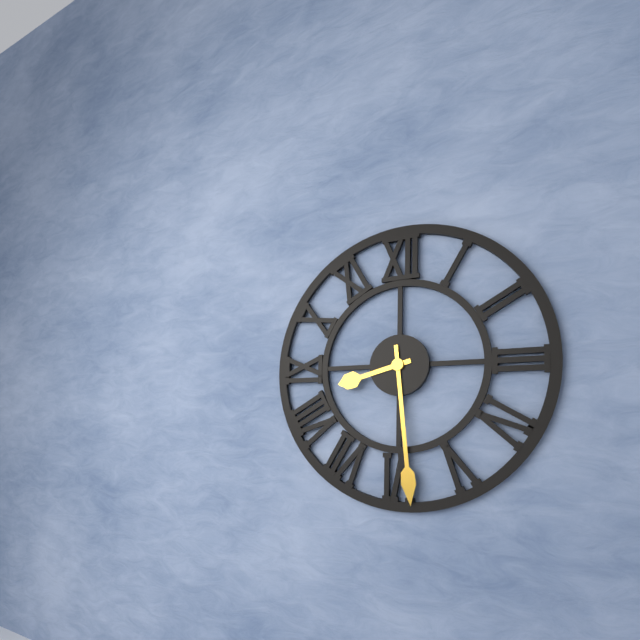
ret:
8:29
